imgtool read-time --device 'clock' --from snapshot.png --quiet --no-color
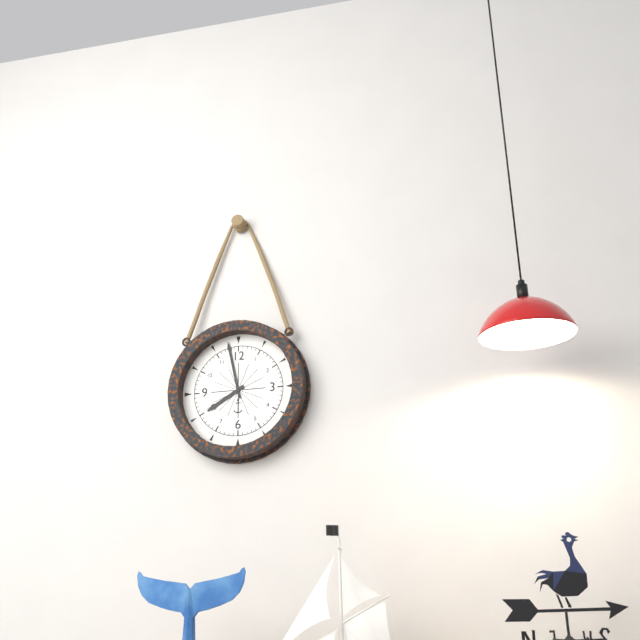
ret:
7:58
